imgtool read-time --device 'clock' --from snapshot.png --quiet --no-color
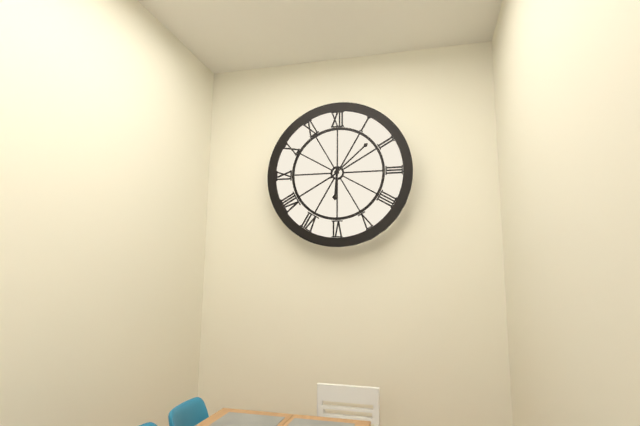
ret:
6:08
